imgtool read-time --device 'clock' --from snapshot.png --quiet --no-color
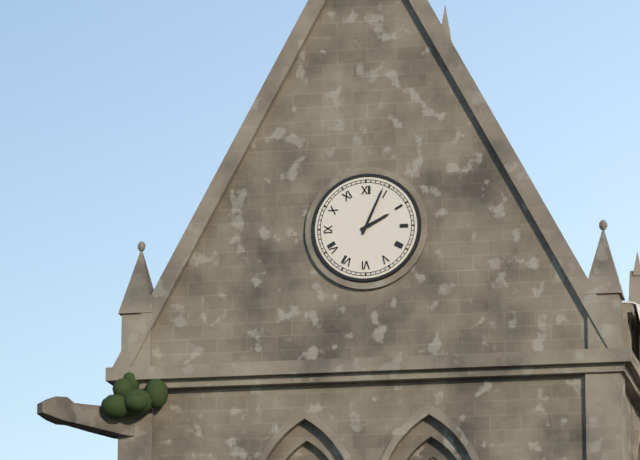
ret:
2:04
